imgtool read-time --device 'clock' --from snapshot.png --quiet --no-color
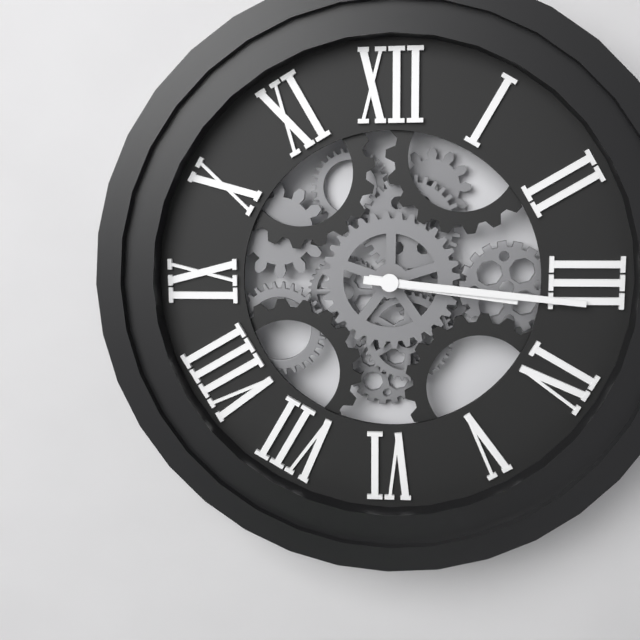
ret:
3:16
